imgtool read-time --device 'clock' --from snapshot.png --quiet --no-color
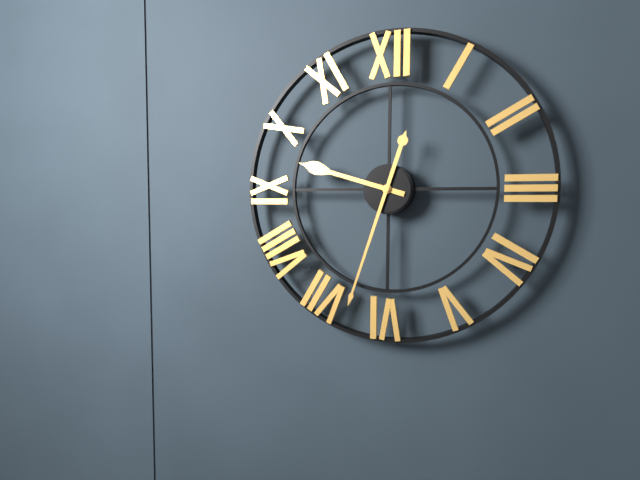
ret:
9:33
